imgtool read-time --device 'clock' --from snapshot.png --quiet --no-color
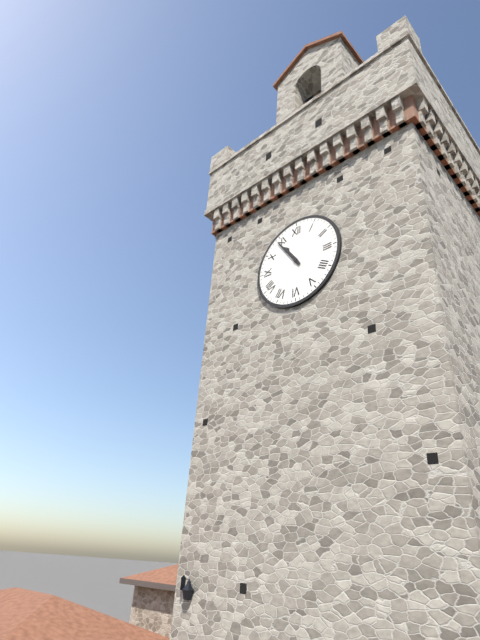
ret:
10:54
